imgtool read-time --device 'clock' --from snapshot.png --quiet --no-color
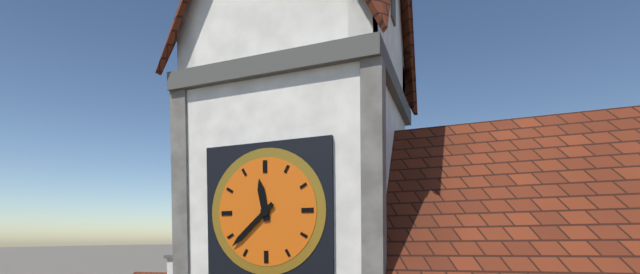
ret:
11:38
